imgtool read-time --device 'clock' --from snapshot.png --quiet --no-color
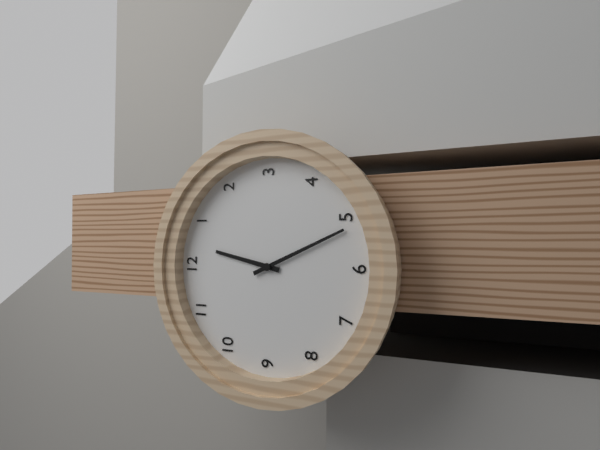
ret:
12:26
